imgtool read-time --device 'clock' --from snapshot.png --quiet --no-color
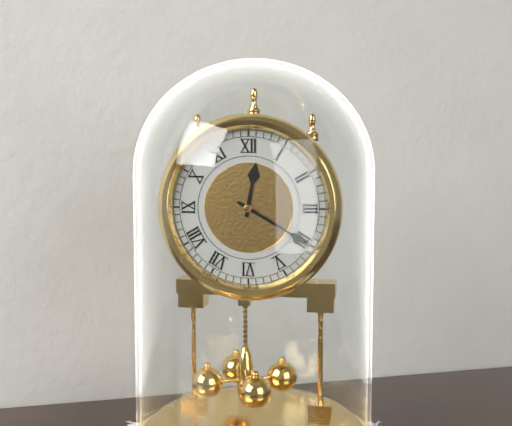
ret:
12:20
